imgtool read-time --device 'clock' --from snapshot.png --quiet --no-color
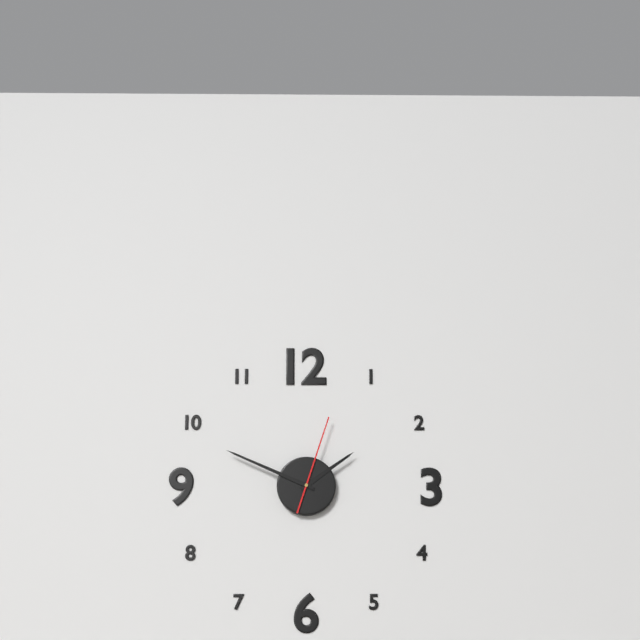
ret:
1:49:03
